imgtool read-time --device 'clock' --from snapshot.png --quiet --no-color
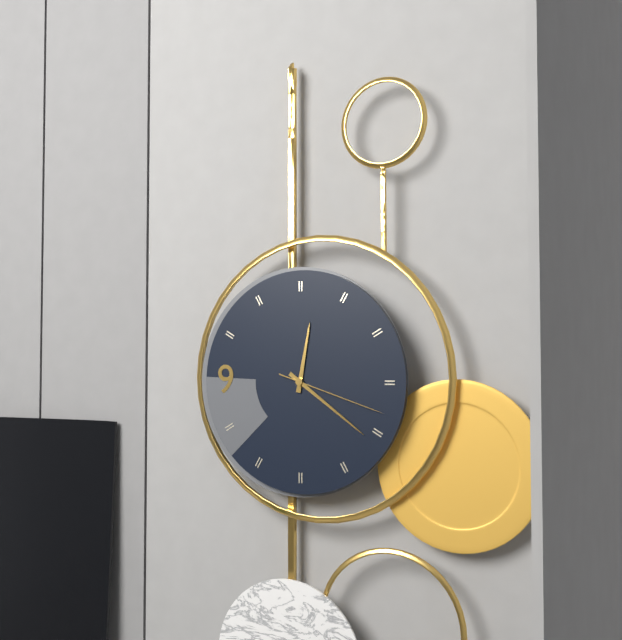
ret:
12:21:18
